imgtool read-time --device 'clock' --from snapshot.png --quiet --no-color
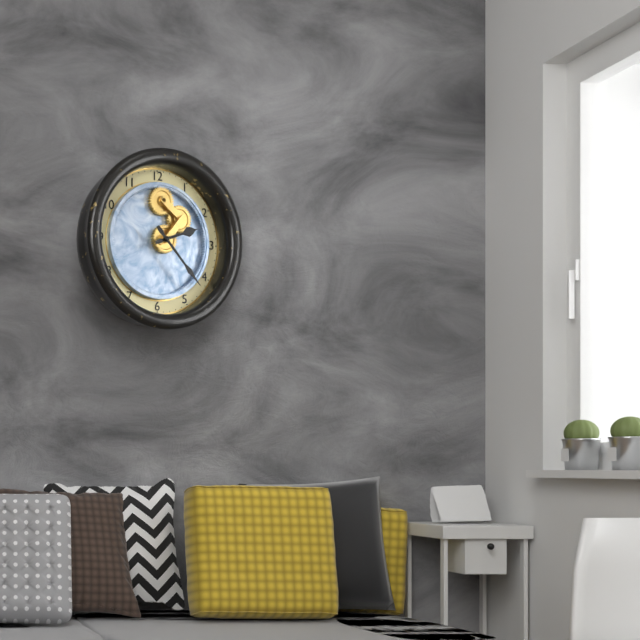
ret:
2:23
